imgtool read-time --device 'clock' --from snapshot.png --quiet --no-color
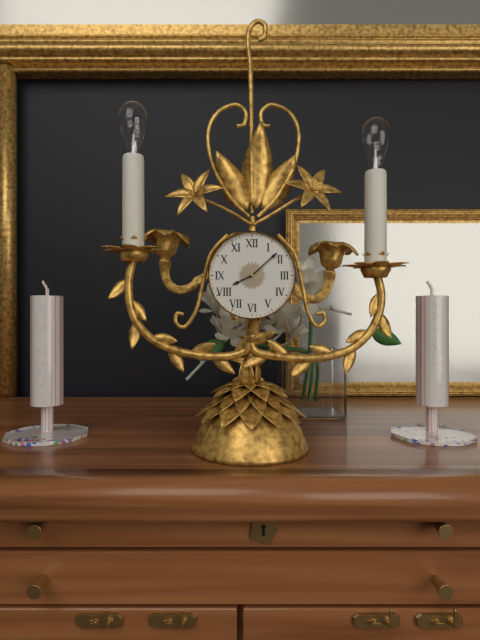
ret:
8:08
